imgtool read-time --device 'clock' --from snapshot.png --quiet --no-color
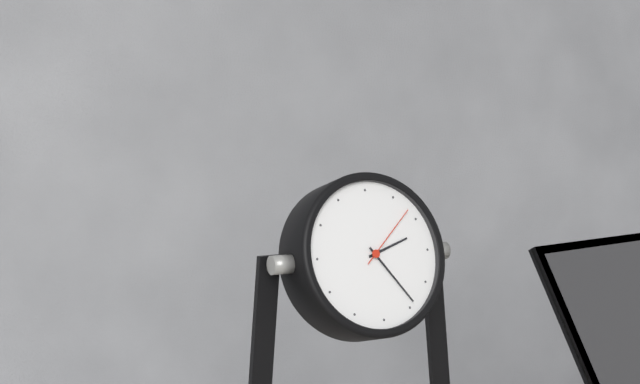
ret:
2:24:08
